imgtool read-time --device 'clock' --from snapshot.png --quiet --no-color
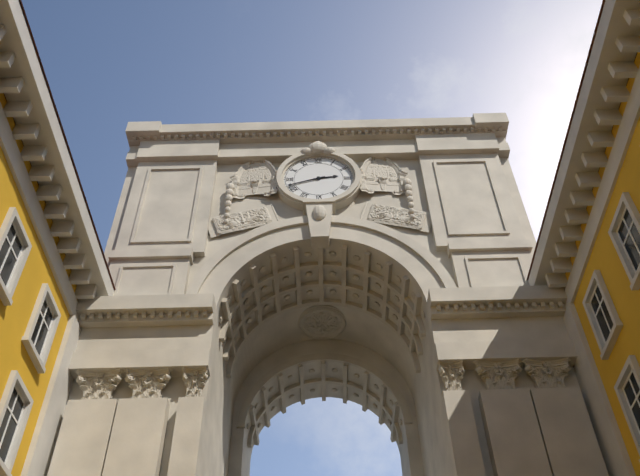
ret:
2:42
